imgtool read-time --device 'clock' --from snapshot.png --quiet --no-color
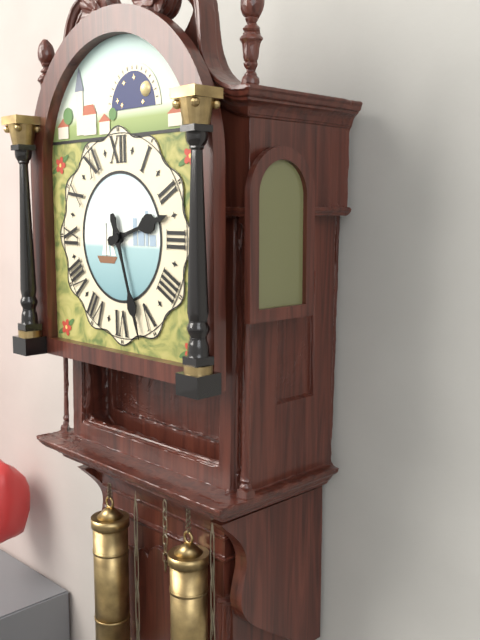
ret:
2:27
